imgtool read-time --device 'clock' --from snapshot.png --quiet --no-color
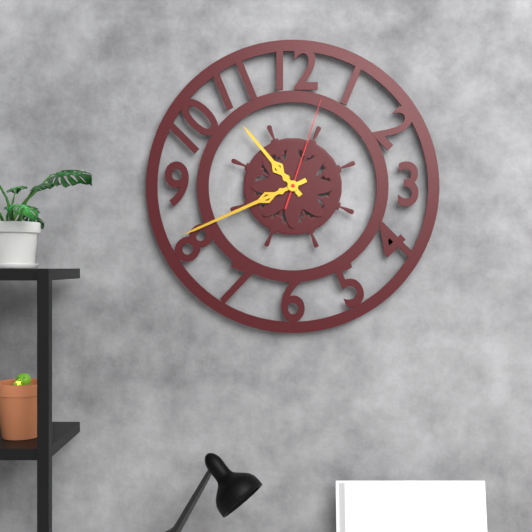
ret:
10:41:03
